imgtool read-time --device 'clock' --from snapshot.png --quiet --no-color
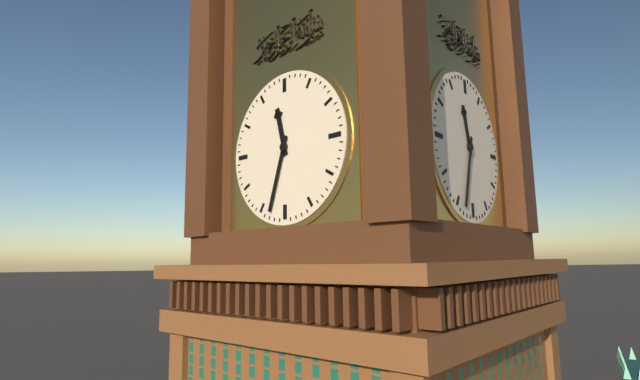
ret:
11:33
